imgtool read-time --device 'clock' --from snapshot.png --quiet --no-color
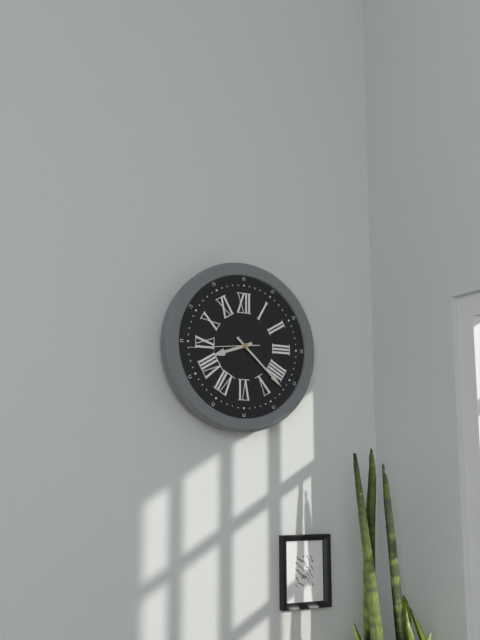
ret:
8:22:44
